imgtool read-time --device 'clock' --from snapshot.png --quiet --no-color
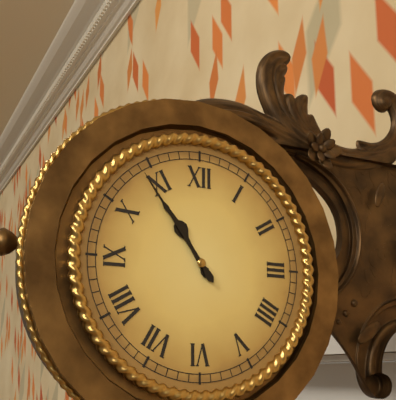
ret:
10:54
